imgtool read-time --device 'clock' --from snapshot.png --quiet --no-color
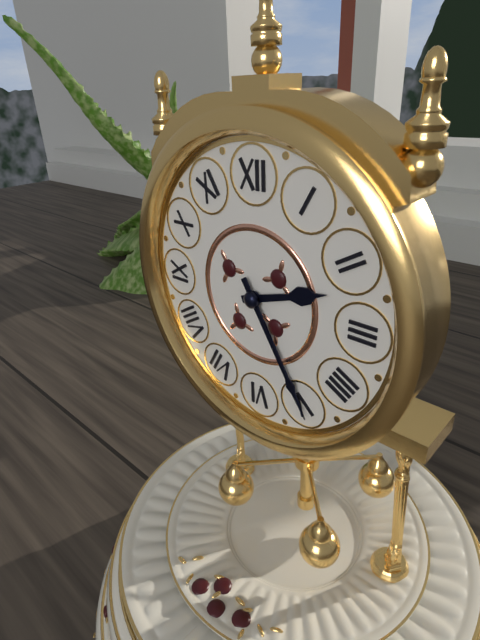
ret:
2:25
